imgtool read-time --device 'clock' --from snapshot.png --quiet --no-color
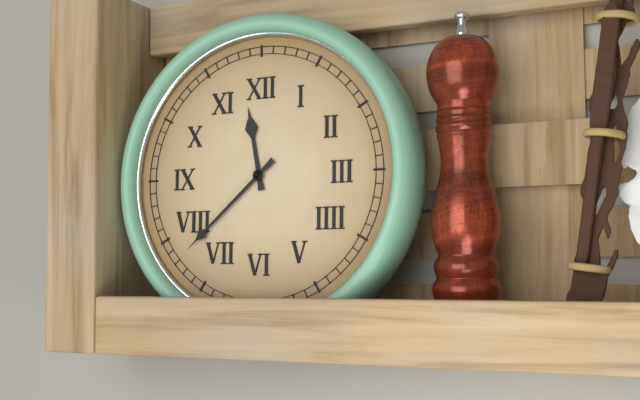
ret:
11:38
